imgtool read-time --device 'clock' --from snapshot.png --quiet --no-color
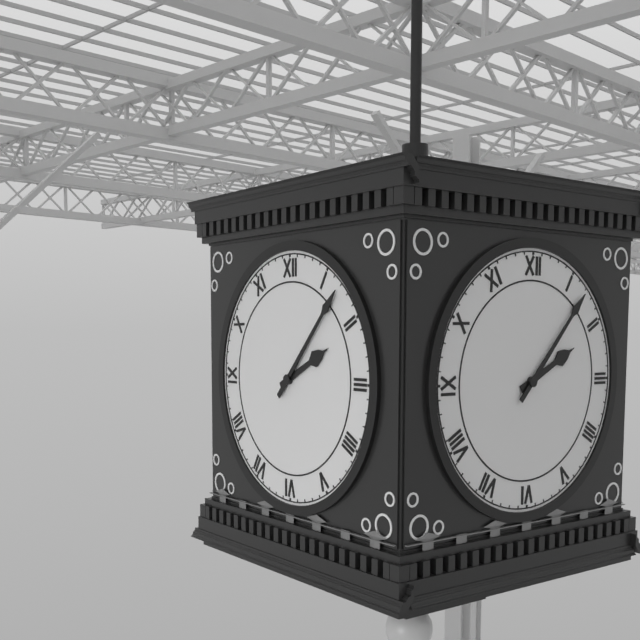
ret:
2:07
